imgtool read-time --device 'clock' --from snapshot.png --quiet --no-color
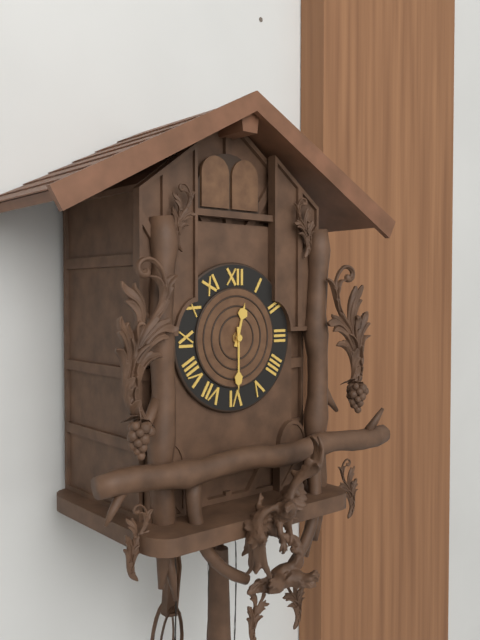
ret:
12:30
